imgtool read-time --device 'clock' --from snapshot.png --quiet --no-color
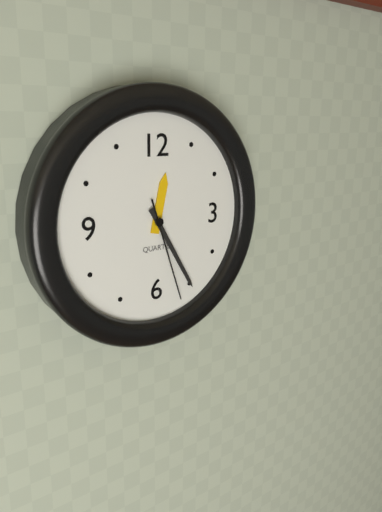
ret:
12:25:27
